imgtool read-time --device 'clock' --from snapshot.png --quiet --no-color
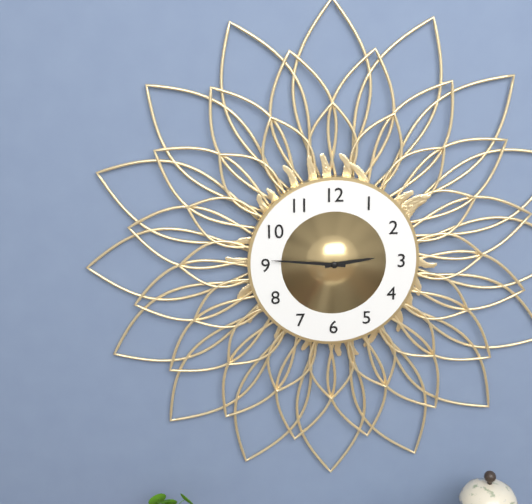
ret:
2:46
